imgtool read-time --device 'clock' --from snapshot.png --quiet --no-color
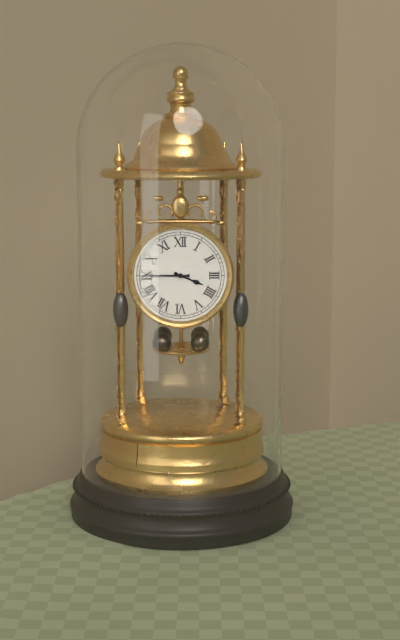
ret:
3:45
